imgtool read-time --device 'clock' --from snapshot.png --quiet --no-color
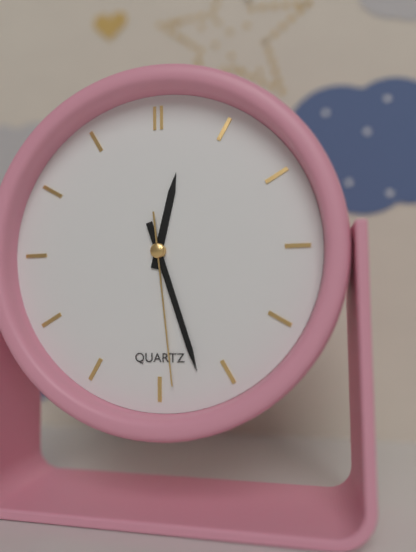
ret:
12:27:29
